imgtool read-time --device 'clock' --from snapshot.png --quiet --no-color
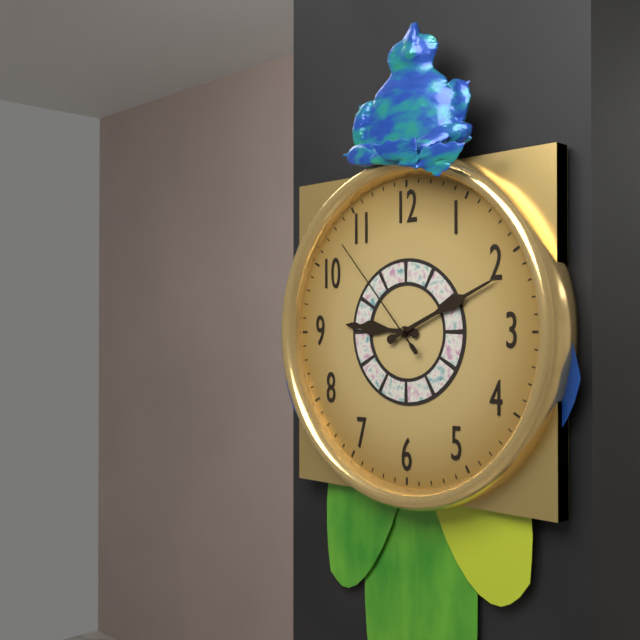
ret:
9:11:53
